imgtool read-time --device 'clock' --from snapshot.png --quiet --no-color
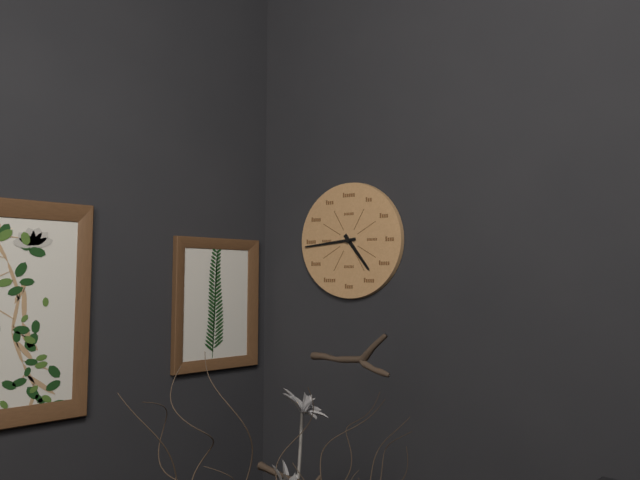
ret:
4:44
